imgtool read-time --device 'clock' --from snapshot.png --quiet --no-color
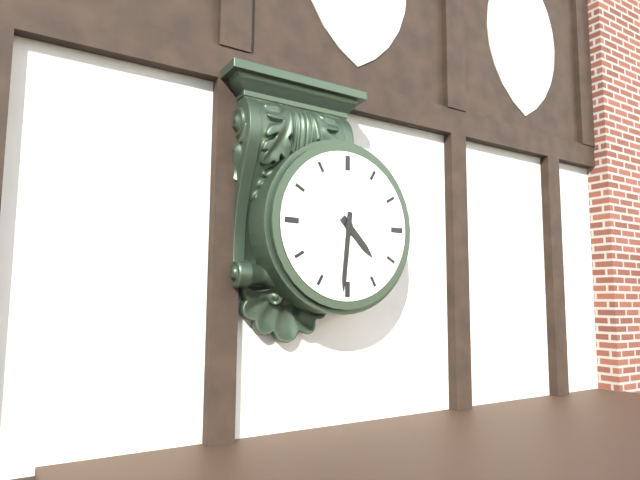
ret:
4:31
